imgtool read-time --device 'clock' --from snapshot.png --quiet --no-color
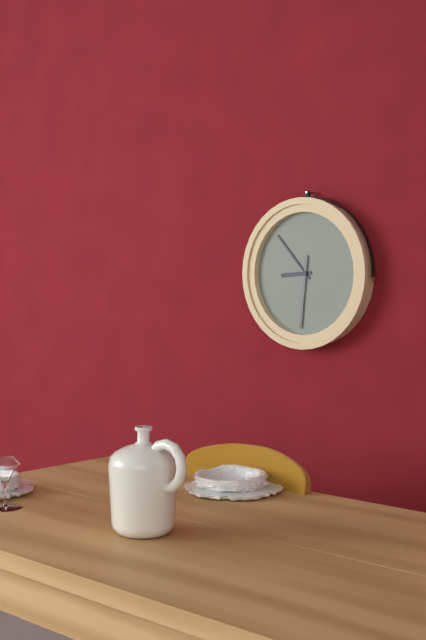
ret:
8:53:31
